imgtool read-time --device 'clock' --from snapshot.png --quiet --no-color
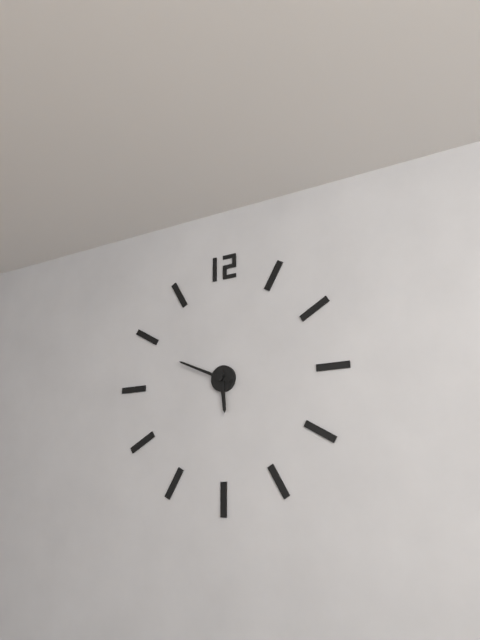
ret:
5:49
